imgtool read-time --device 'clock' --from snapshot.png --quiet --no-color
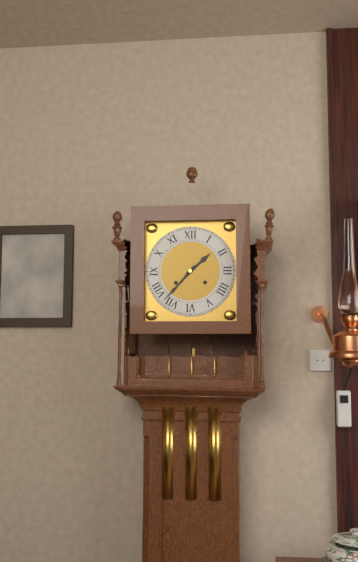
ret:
1:37
